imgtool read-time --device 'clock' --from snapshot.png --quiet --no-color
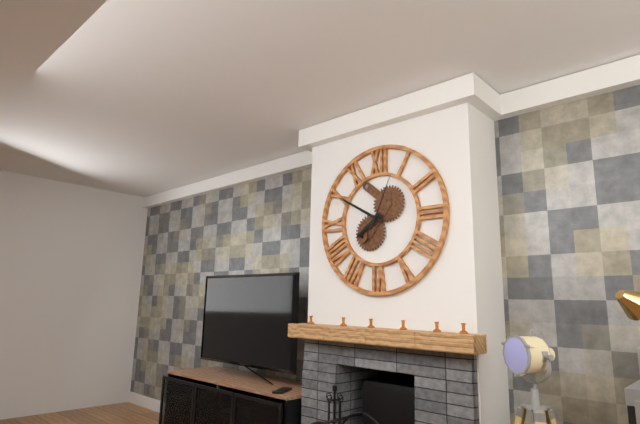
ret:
7:50:04
